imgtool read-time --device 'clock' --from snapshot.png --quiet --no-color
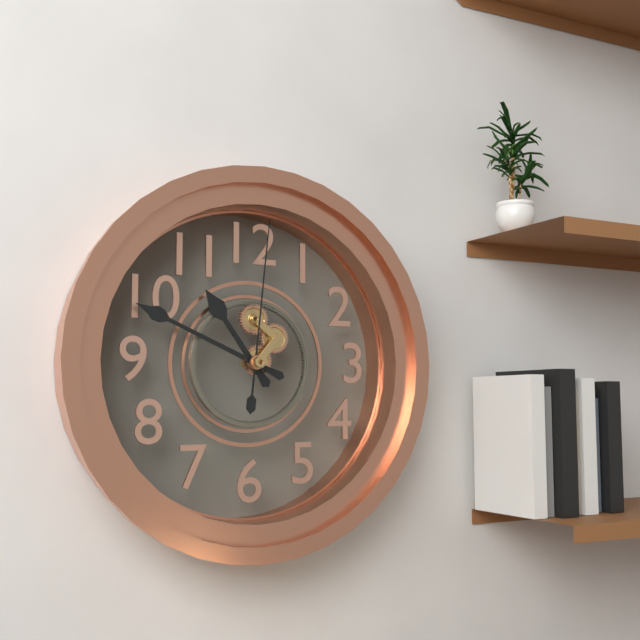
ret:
10:49:01
